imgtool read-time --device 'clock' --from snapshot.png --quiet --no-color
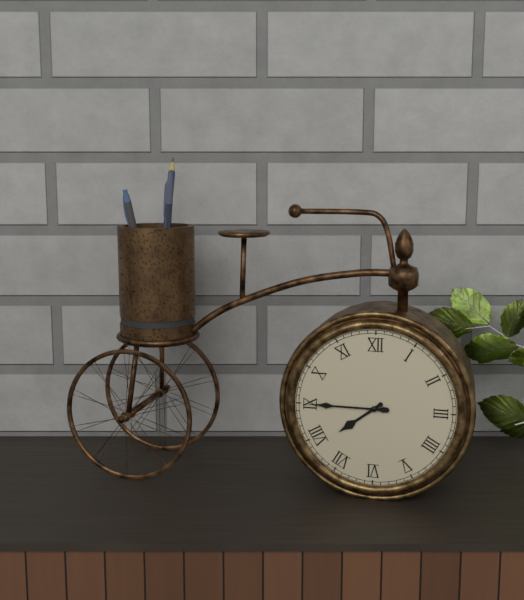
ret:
7:45
